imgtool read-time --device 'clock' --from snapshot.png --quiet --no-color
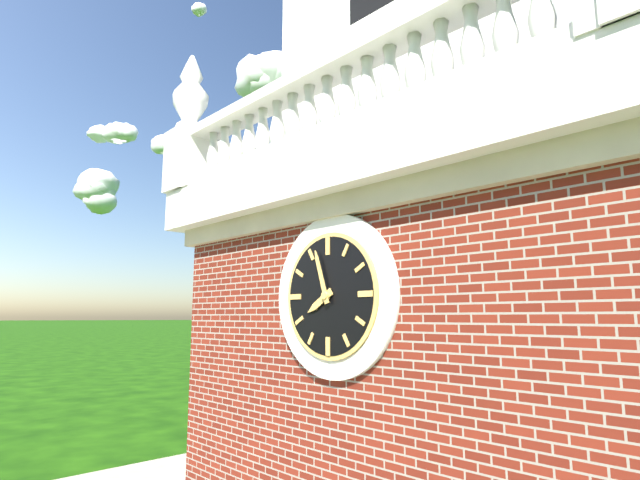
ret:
7:57
